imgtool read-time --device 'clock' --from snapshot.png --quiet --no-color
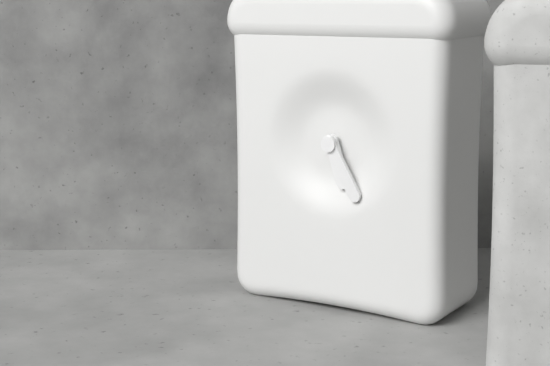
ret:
5:25
